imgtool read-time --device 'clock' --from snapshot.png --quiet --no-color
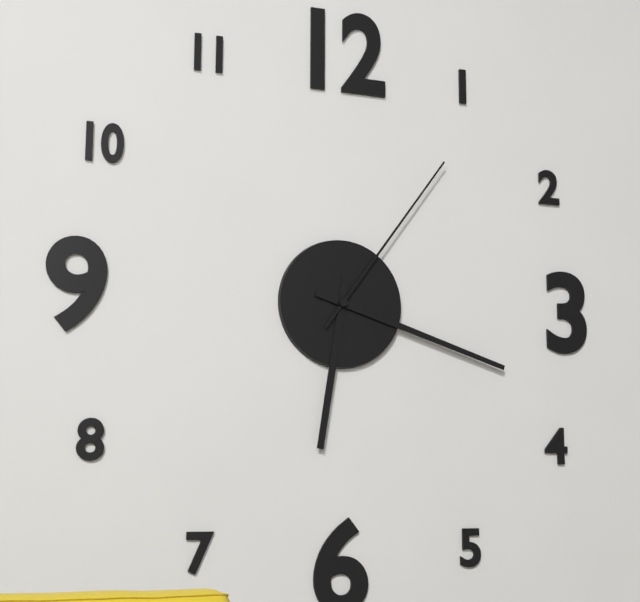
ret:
6:18:06
